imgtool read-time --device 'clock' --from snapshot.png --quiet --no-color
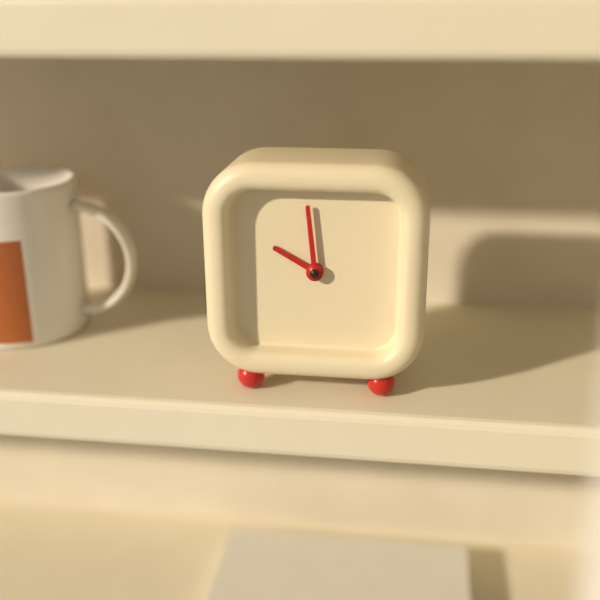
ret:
9:59
